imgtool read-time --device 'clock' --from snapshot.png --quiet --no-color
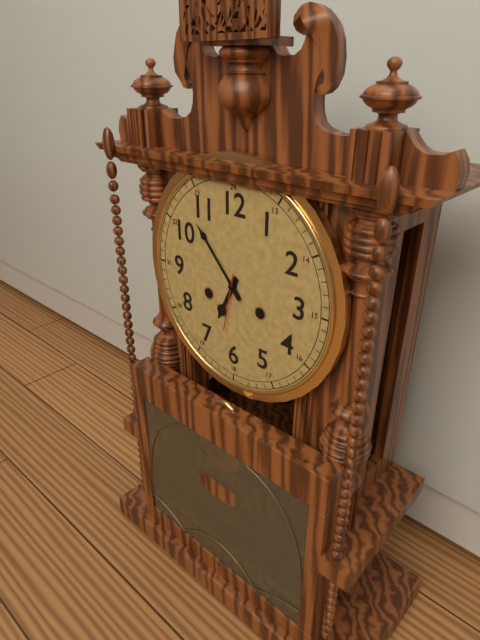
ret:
6:53:32
